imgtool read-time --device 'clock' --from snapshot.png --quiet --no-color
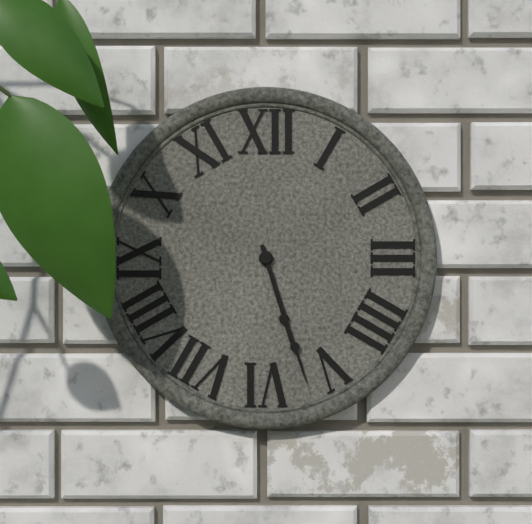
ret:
5:27
